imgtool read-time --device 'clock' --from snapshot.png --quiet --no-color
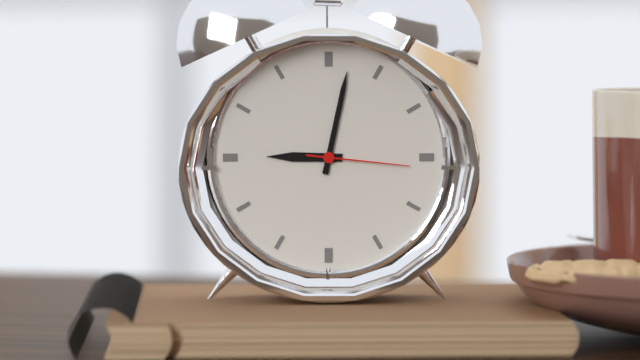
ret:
9:02:16
